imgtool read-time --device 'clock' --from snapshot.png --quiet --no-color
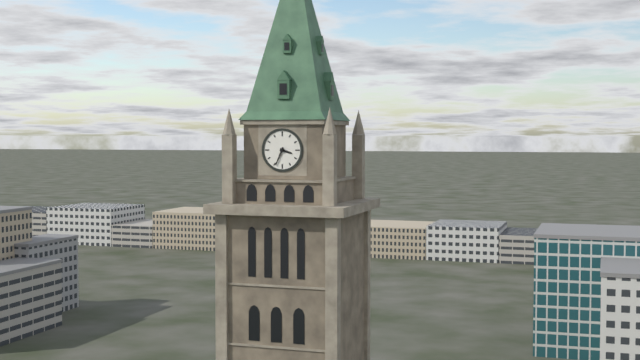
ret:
3:34
